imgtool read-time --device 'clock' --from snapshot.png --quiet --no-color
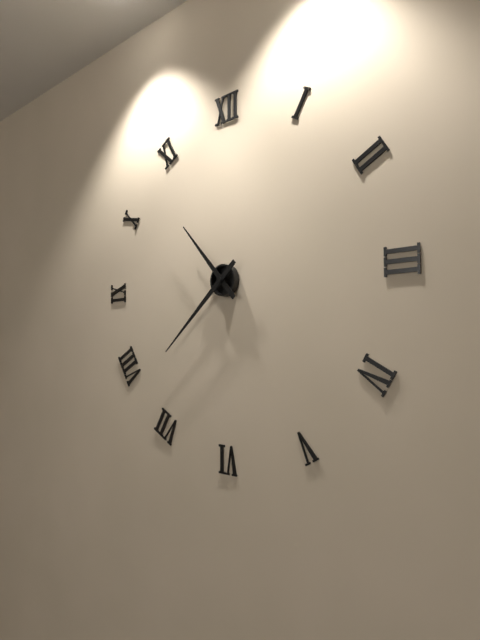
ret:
10:38
